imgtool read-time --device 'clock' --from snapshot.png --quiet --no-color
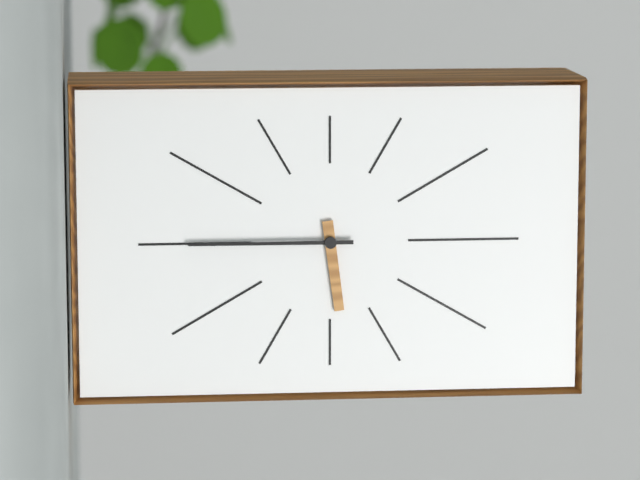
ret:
5:45
